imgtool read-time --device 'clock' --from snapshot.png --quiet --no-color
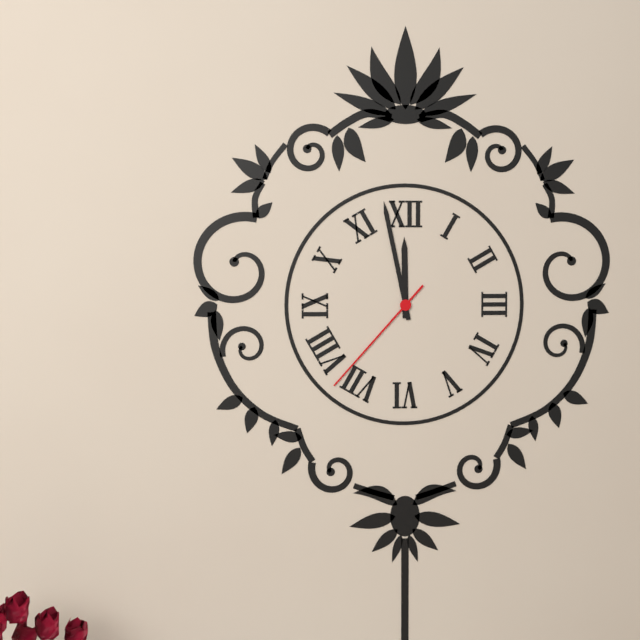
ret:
11:58:37
